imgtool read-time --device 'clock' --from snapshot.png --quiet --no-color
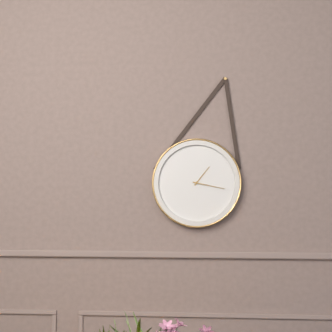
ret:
1:17
